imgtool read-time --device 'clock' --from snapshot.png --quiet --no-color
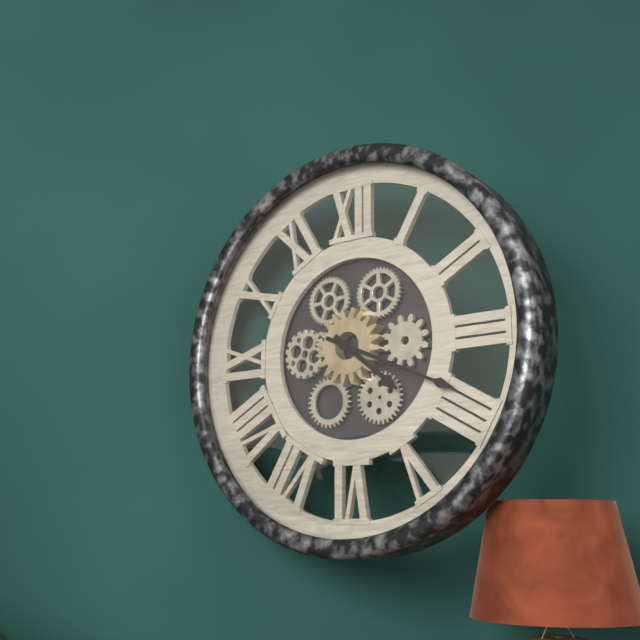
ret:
4:19
